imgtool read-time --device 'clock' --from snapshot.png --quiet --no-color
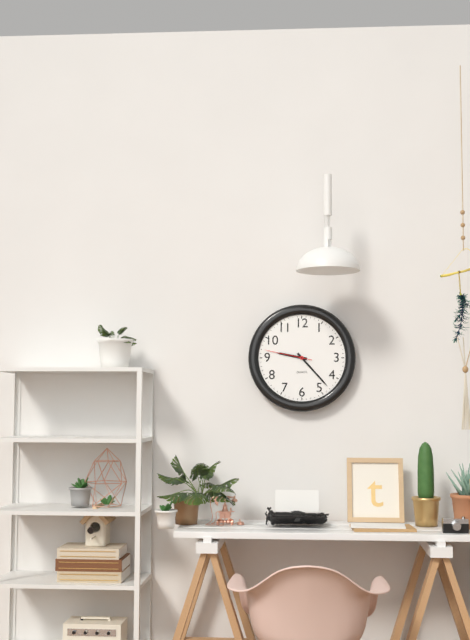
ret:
9:23
